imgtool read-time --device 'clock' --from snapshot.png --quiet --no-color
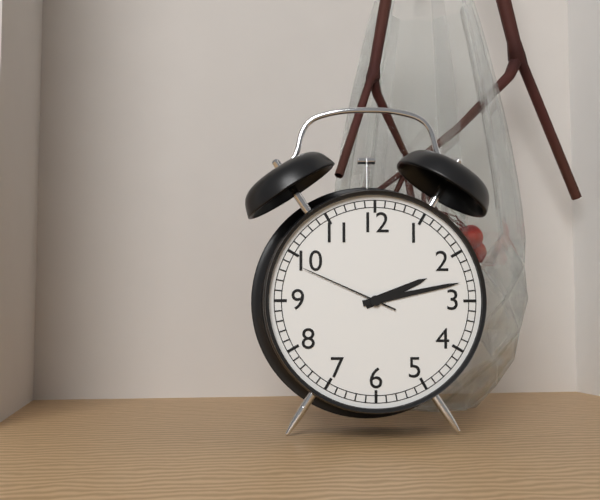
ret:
2:13:49
